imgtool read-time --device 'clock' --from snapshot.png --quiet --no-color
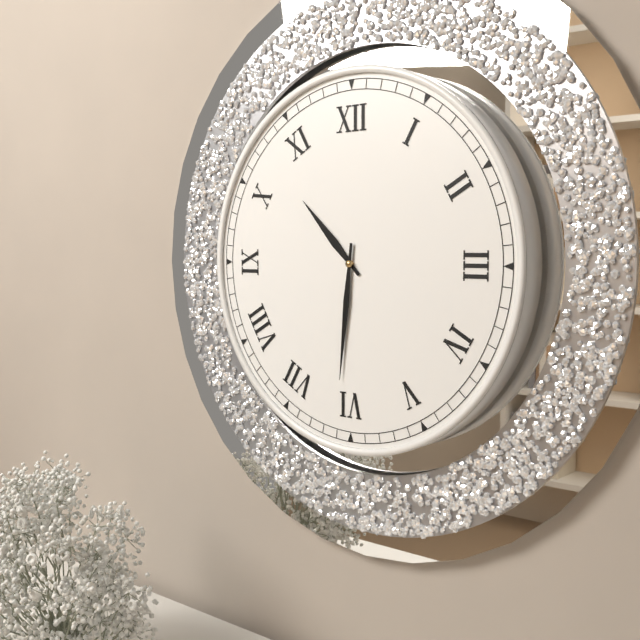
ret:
10:31
